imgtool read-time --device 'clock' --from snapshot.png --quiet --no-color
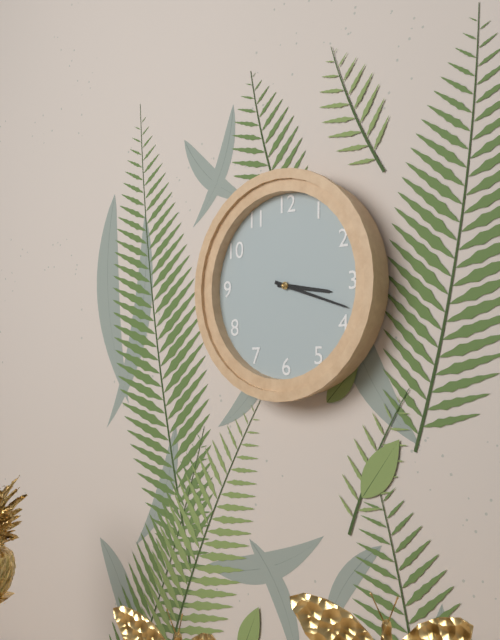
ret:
3:18
